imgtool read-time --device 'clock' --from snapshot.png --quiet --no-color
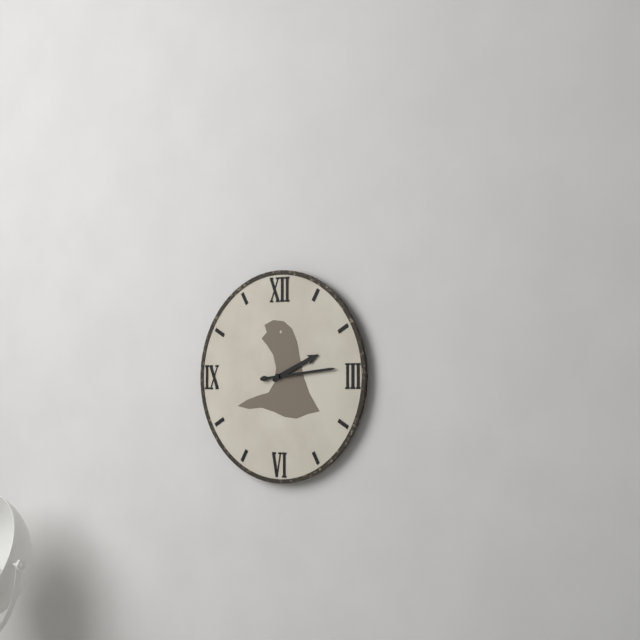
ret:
2:14
